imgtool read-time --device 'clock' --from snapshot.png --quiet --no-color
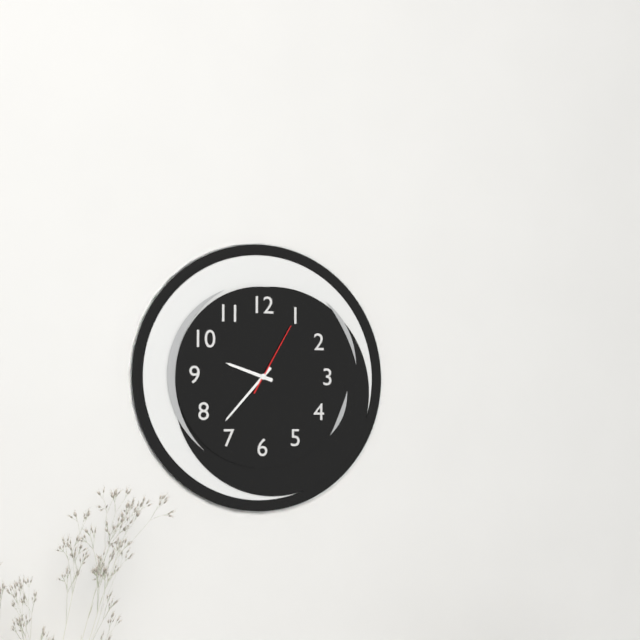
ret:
9:37:05
